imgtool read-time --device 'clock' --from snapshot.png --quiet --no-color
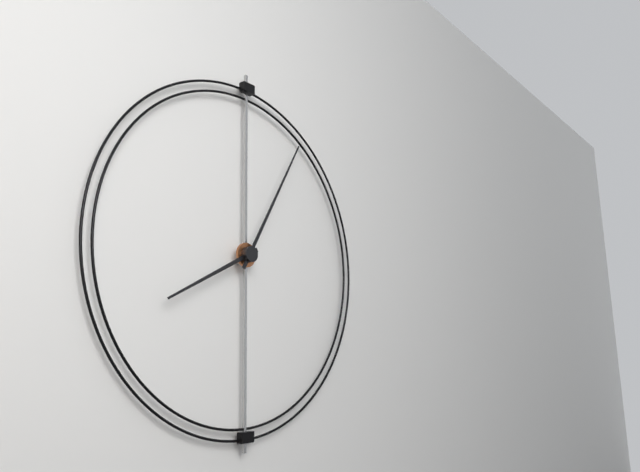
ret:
8:05
